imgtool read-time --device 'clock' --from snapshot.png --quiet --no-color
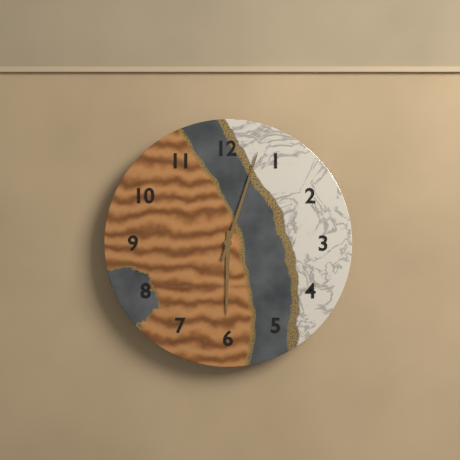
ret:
6:03
